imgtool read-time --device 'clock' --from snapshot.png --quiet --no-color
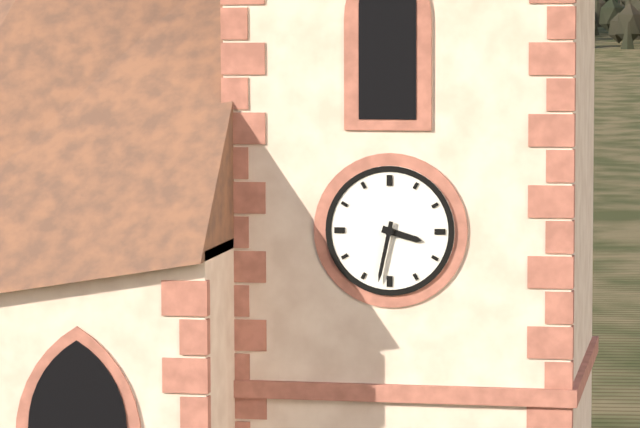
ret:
3:32
